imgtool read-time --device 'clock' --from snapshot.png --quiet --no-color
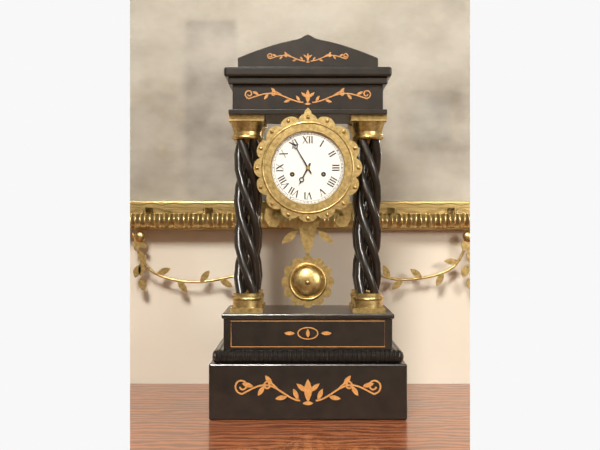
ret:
6:55
